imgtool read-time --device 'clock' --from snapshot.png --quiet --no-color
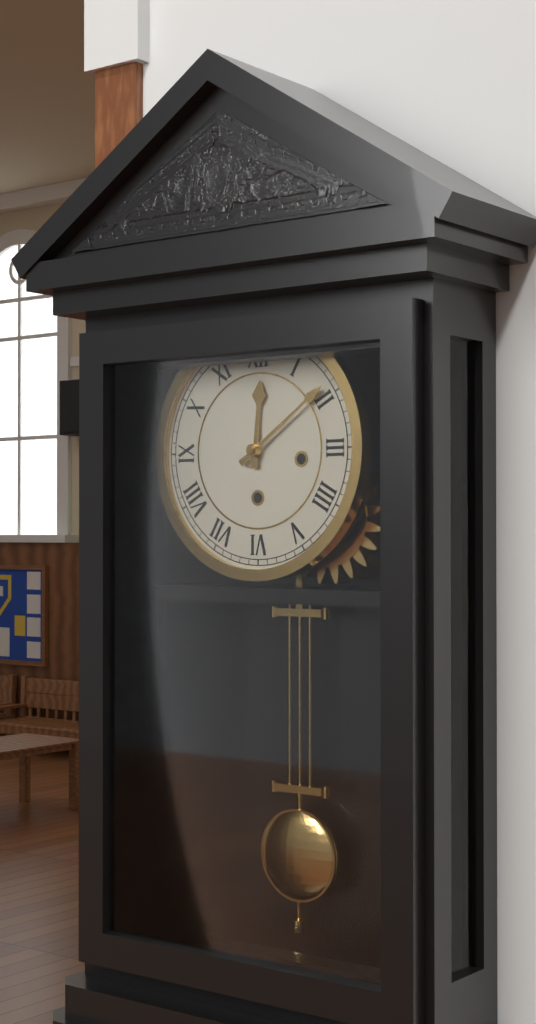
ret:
12:09
